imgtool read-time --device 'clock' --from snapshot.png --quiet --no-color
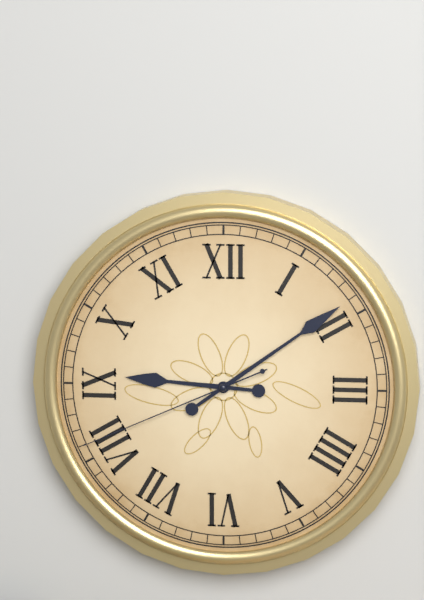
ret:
9:09:41
